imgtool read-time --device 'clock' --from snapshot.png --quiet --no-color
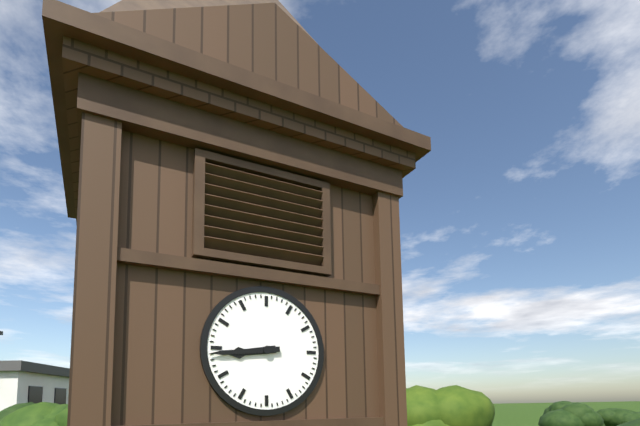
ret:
8:44
